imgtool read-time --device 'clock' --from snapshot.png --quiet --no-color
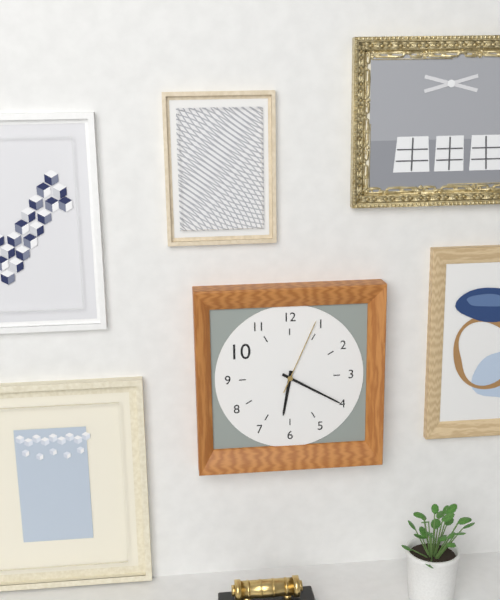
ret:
6:20:04
